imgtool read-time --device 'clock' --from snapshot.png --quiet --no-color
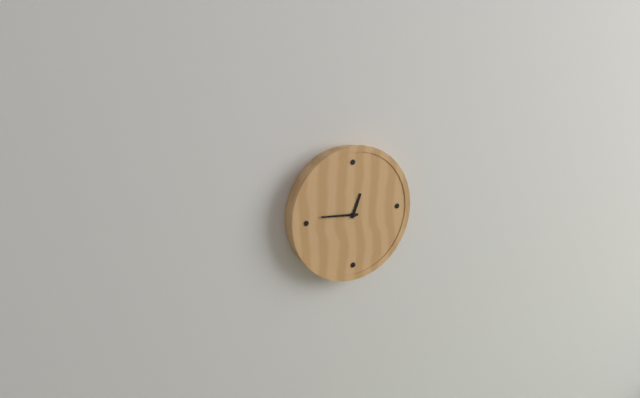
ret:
12:46
